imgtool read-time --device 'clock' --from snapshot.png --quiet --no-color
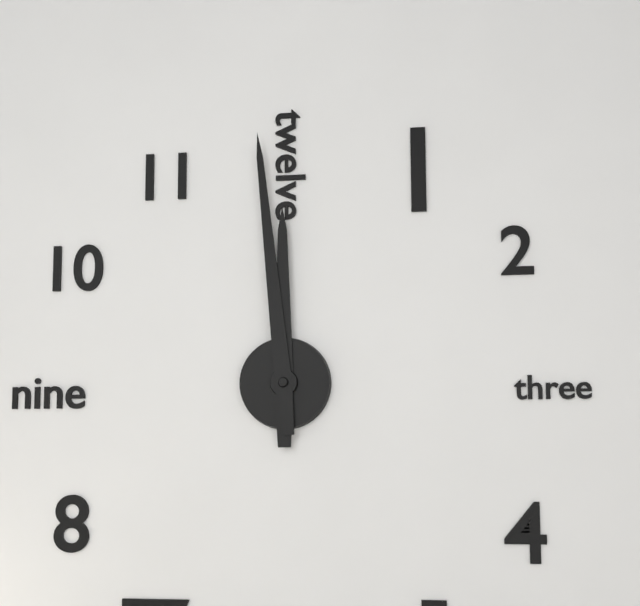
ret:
11:59
